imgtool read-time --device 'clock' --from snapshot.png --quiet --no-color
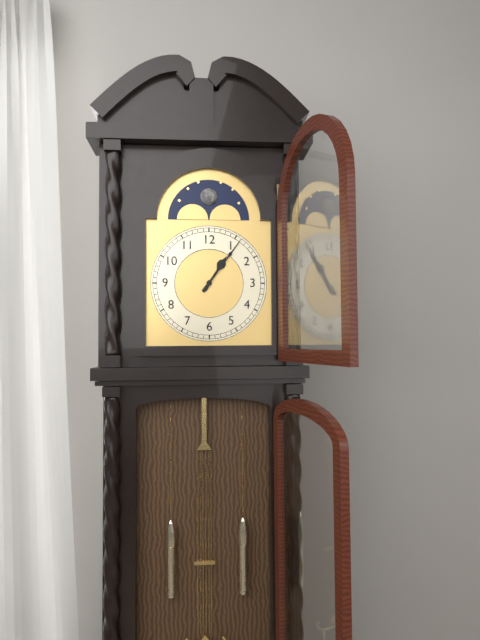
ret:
1:06
